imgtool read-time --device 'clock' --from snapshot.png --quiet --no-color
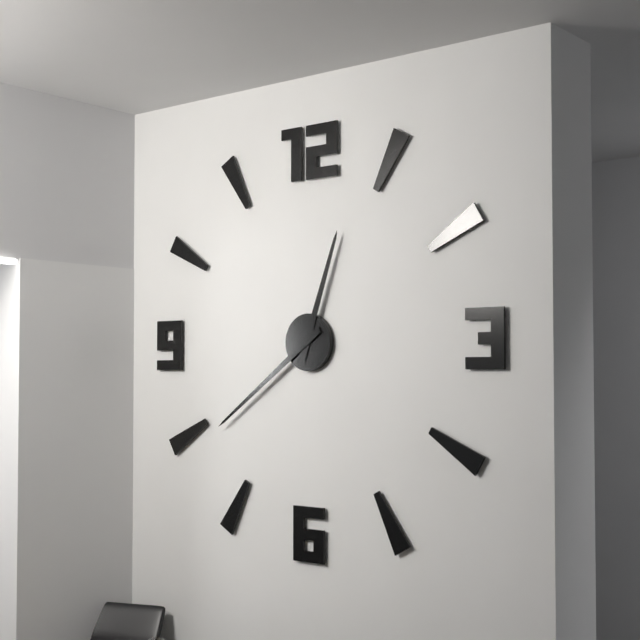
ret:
12:39
